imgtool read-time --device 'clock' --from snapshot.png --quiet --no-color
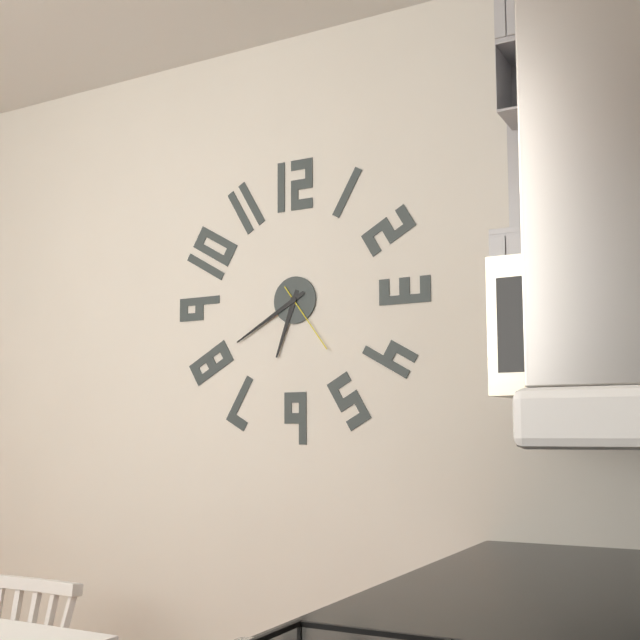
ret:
6:40:24
